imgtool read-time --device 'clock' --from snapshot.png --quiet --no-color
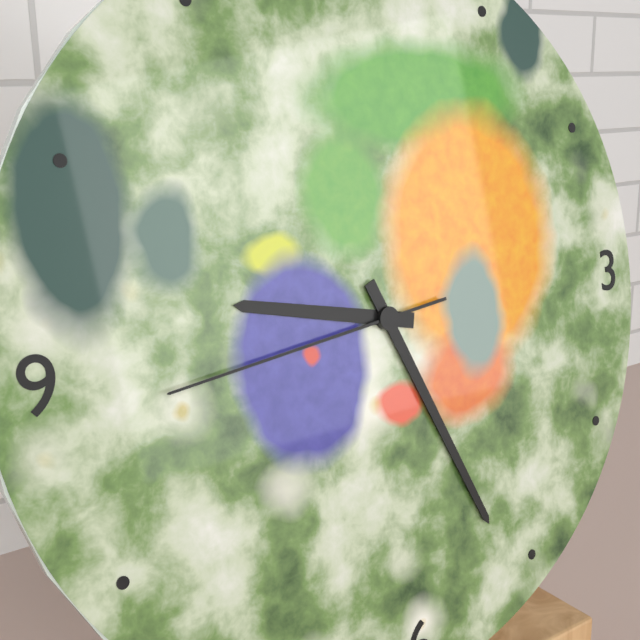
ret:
9:26:44
